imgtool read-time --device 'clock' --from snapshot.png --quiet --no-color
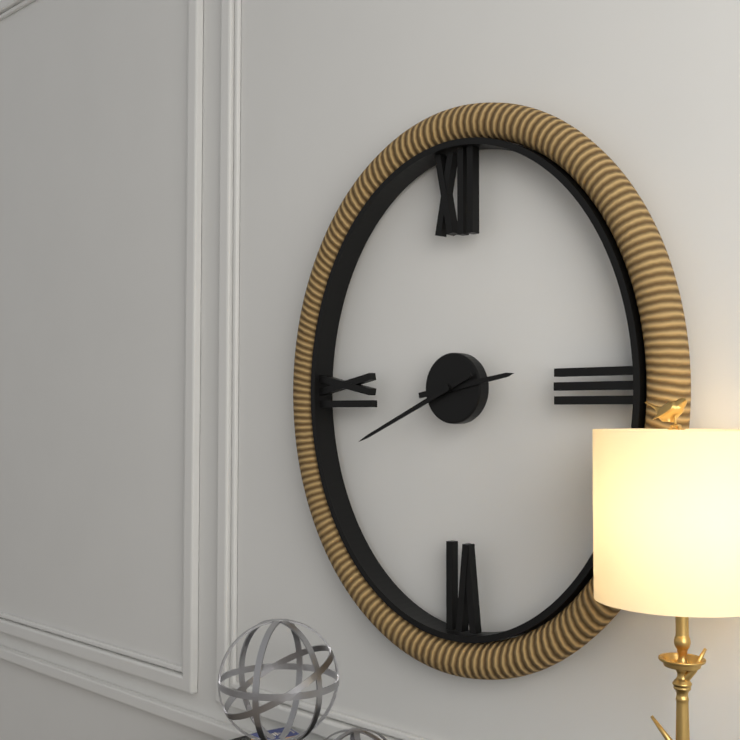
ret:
2:41
